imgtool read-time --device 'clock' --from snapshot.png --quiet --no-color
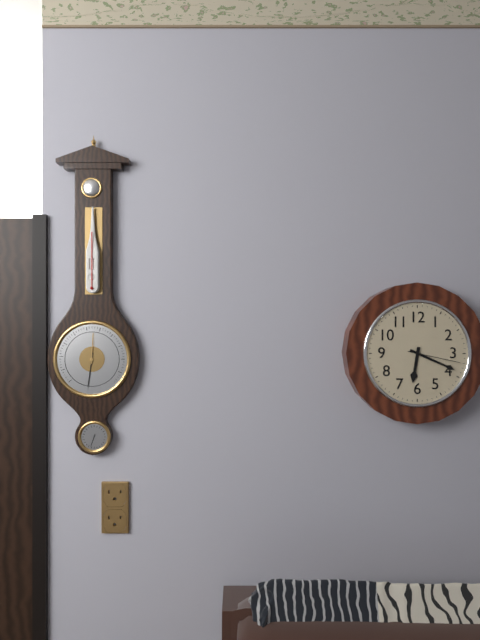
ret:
6:19:17
